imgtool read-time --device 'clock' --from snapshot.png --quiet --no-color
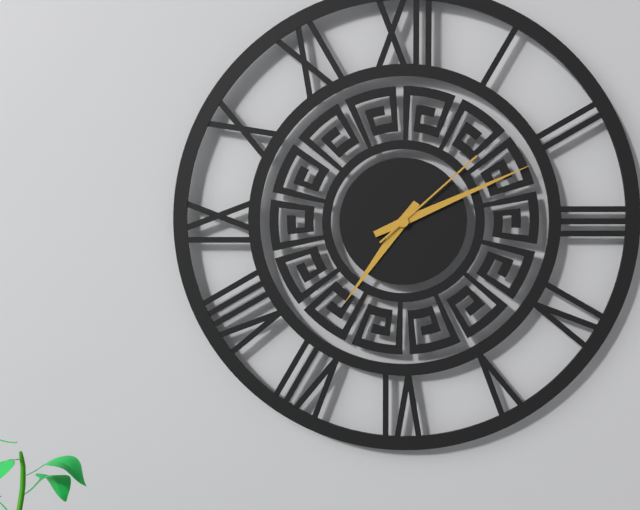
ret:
7:11:08
